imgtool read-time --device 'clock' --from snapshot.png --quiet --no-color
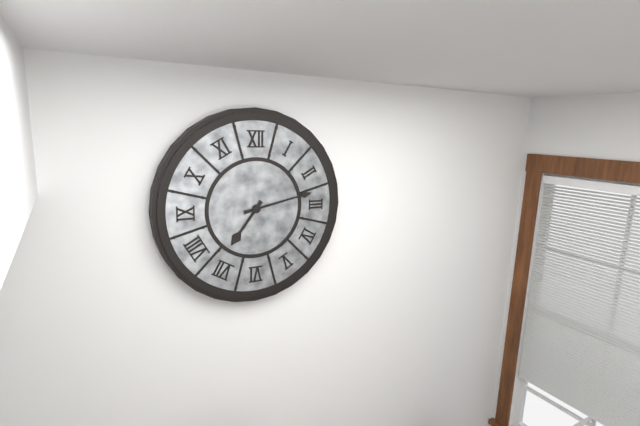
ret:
7:13
